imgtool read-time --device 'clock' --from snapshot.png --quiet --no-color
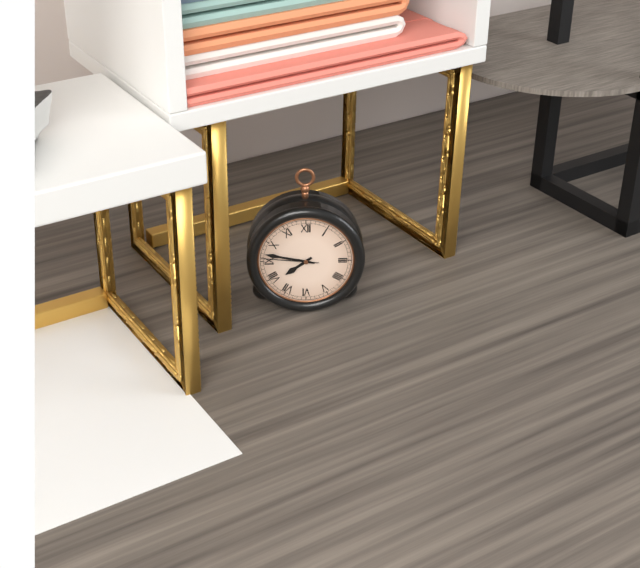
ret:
7:47:46
